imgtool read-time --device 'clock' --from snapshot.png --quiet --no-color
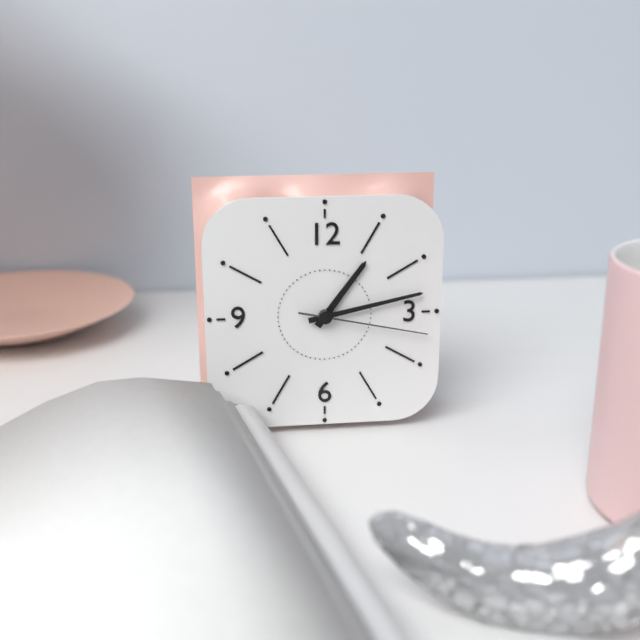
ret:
1:13:17
